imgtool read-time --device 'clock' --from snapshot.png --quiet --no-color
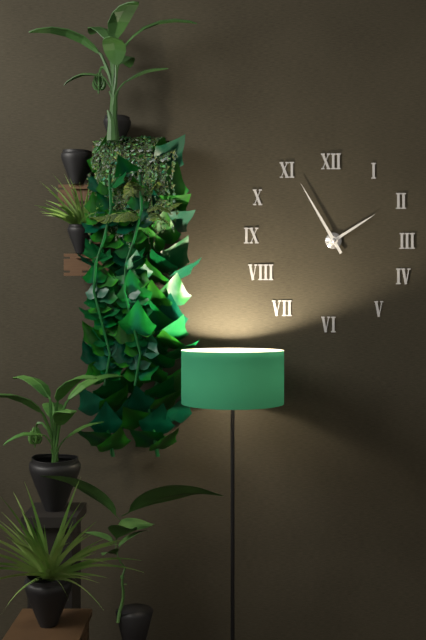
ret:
1:55
